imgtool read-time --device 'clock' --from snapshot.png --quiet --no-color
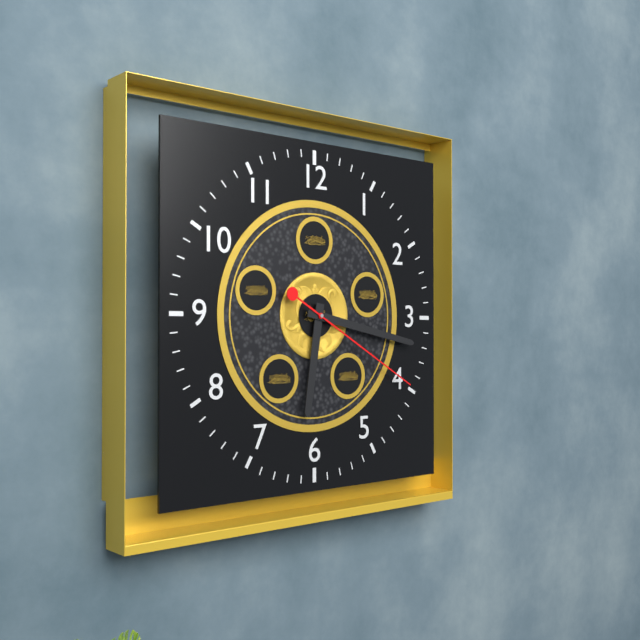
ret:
6:17:20
